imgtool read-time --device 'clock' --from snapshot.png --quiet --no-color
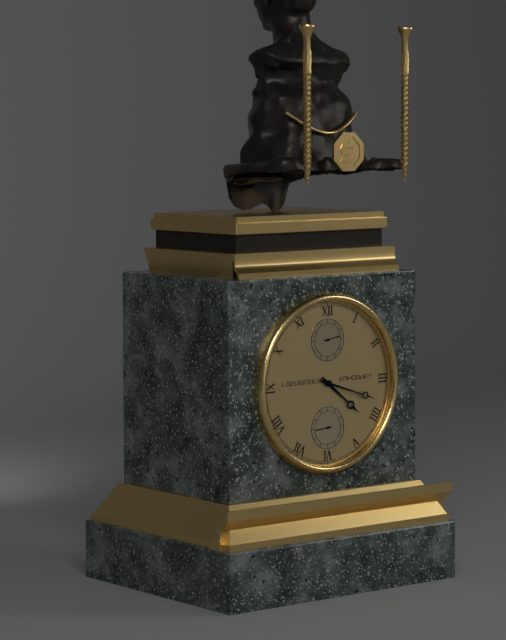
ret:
4:18
